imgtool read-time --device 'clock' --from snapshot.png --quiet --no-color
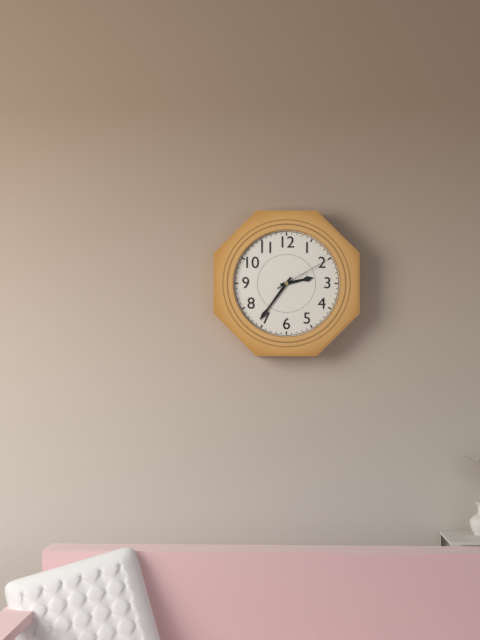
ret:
2:36:10
